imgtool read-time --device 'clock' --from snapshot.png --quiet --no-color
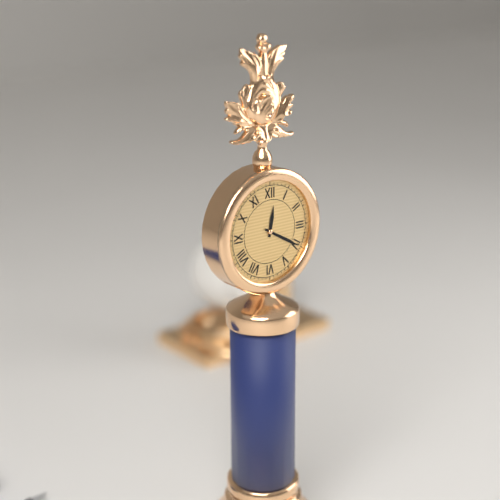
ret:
12:20
